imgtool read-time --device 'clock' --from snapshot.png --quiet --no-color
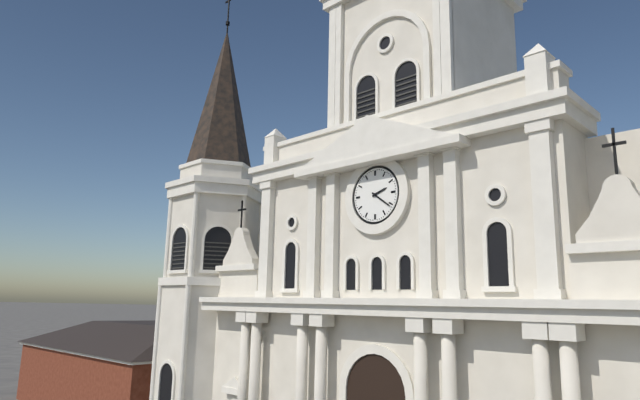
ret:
2:21
